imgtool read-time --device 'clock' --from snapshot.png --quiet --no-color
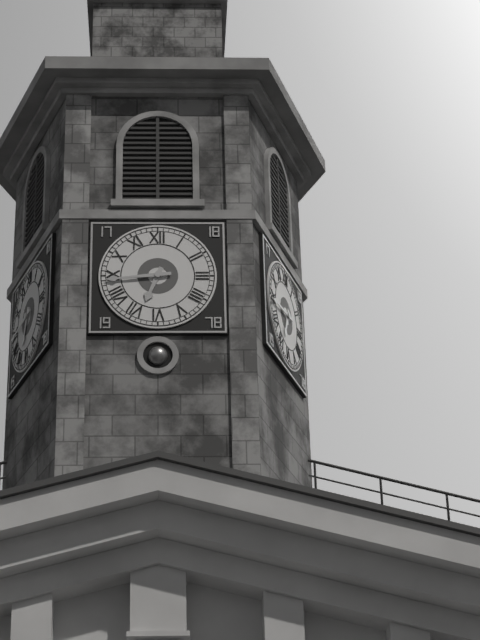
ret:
6:44
